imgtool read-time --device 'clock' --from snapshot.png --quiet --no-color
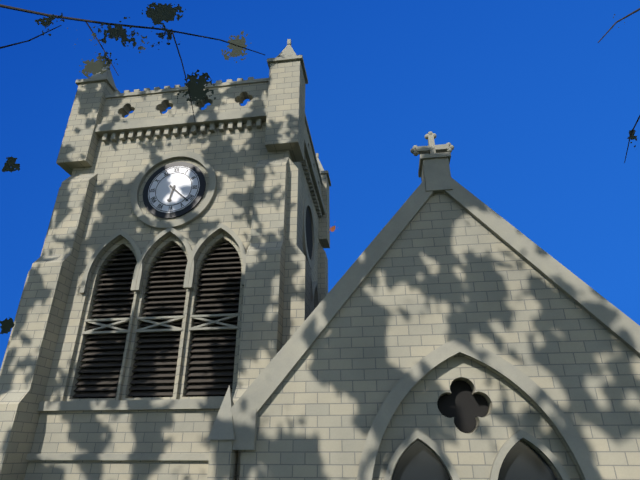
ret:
6:22
